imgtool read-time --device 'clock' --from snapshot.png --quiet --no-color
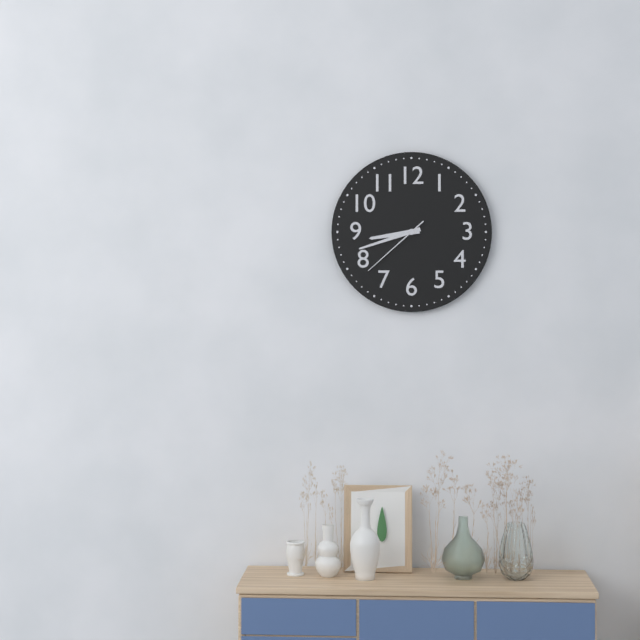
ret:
8:42:38
